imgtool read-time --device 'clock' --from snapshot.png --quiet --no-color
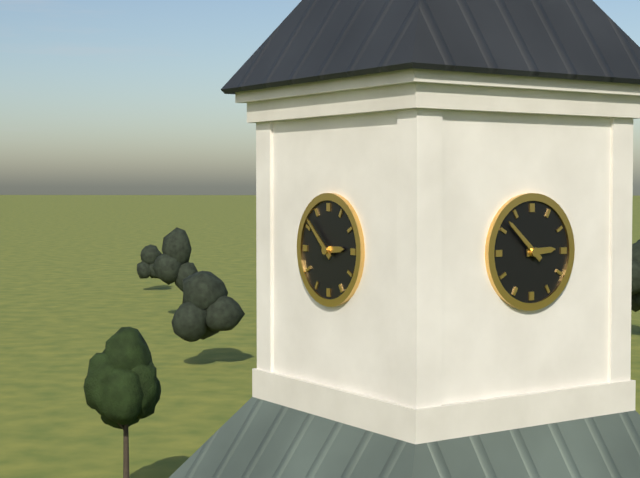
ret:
2:52
